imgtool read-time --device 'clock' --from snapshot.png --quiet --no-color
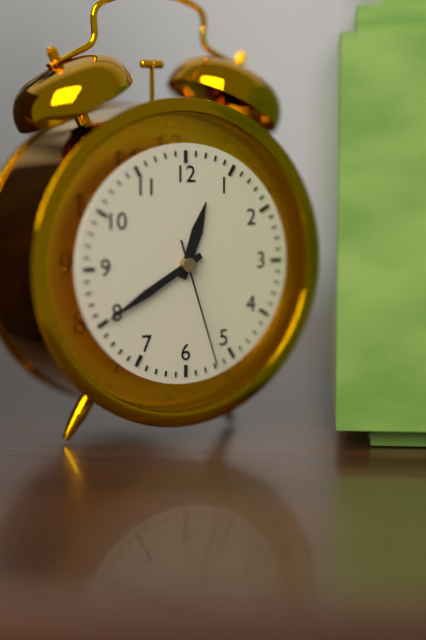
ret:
12:40:27
